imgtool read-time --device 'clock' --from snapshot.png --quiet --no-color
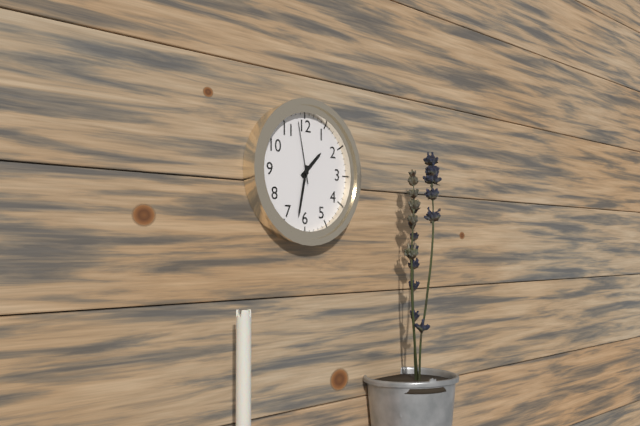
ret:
1:32:58
